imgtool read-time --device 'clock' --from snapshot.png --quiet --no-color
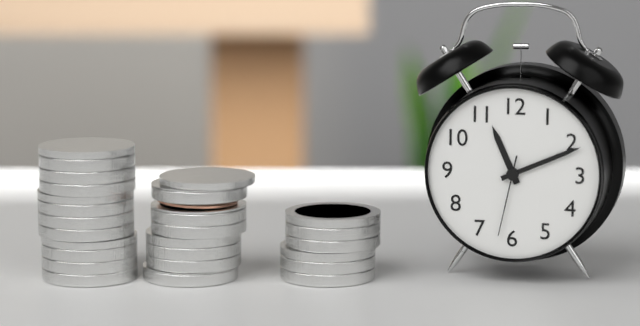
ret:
11:11:32
